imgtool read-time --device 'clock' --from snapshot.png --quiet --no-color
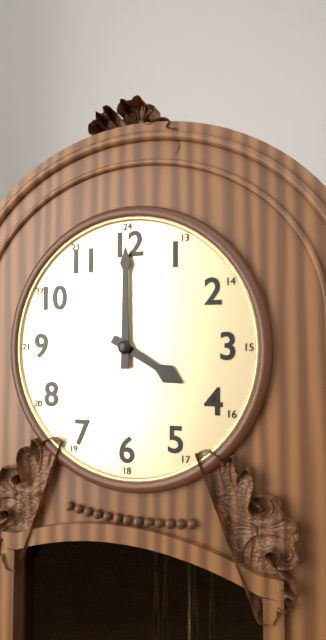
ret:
4:00
